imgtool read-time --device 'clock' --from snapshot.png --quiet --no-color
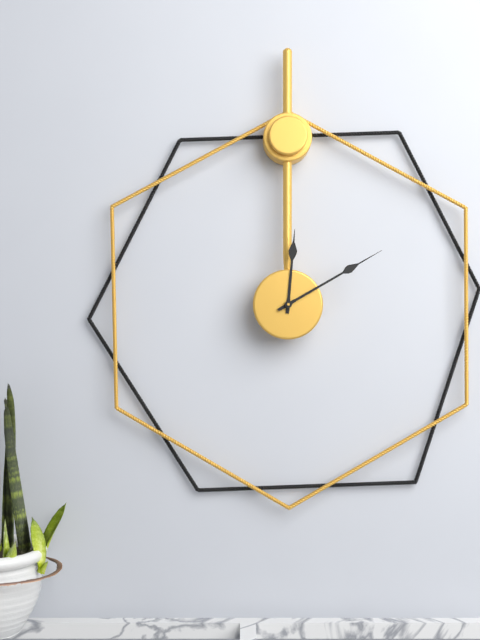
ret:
12:10
